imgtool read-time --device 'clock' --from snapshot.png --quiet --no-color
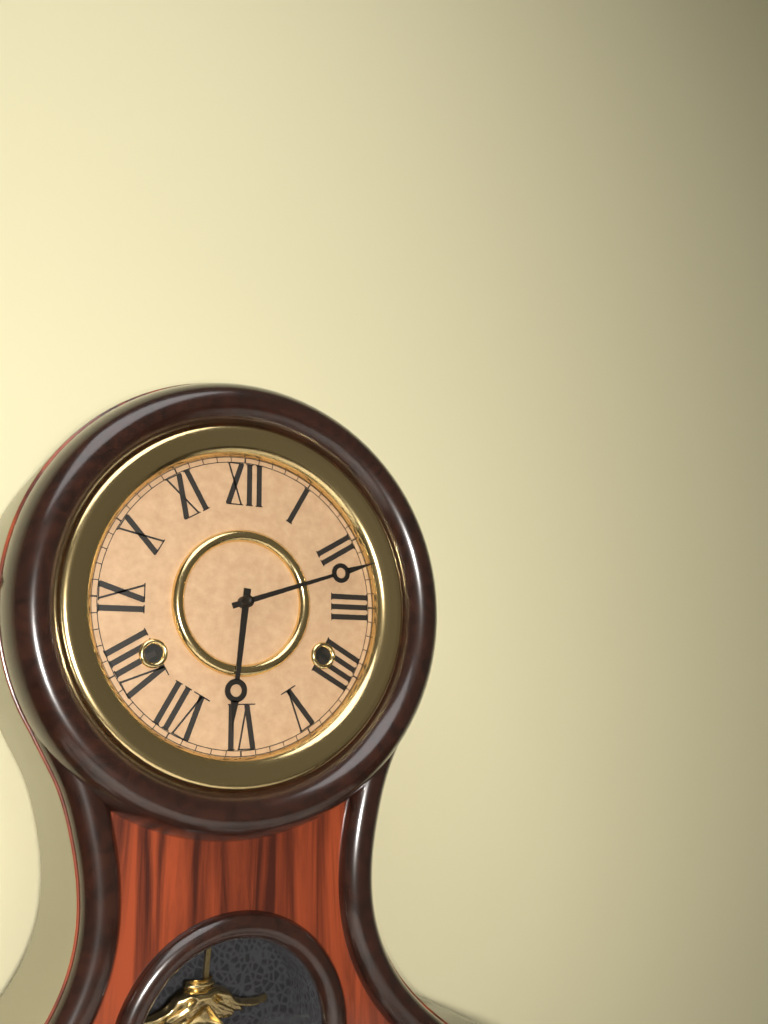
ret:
6:12
